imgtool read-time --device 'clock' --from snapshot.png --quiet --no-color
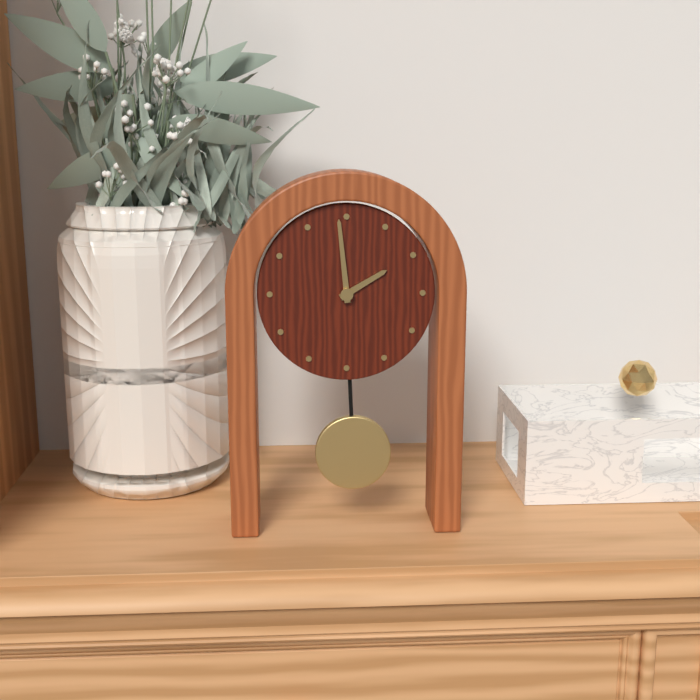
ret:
1:59
